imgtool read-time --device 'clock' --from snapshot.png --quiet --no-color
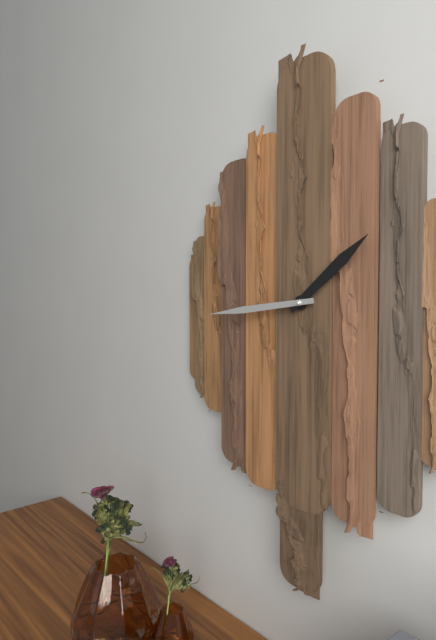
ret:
1:44
